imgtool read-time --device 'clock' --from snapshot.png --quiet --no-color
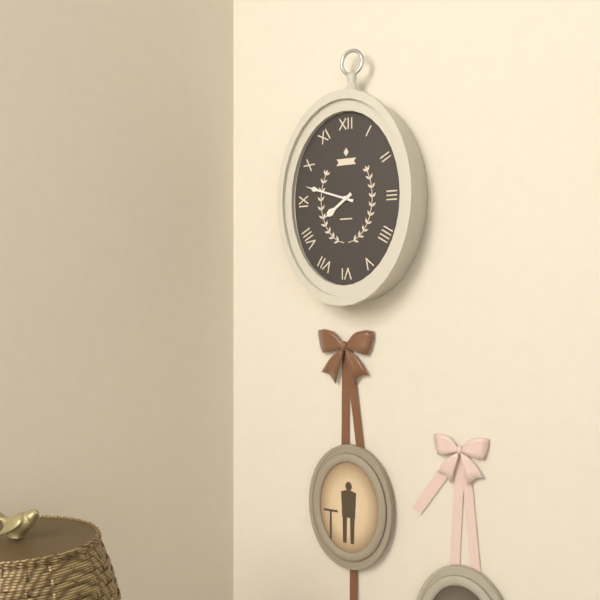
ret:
7:48
